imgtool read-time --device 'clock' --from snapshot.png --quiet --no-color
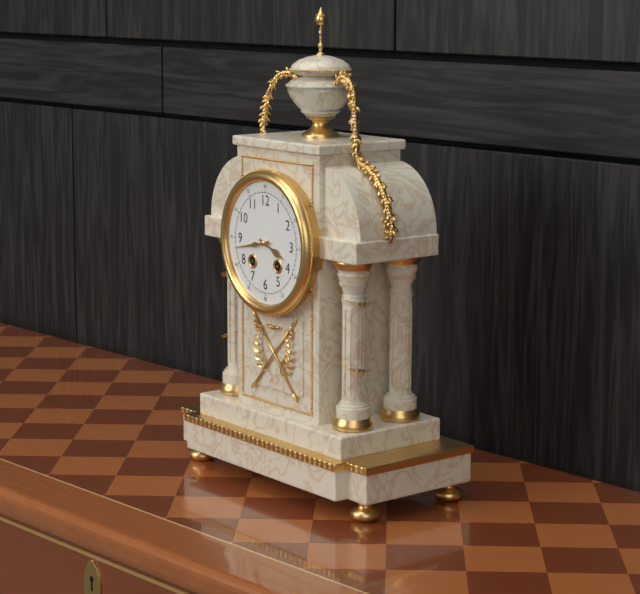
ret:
3:43
